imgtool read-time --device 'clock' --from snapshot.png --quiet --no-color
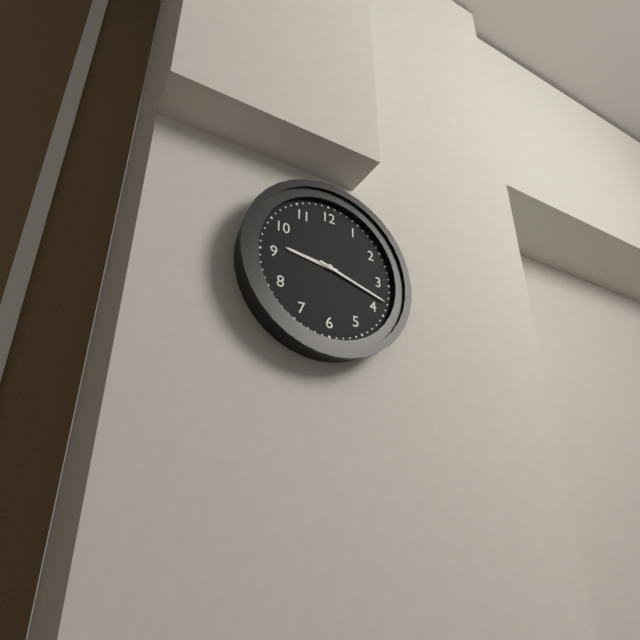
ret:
9:18
